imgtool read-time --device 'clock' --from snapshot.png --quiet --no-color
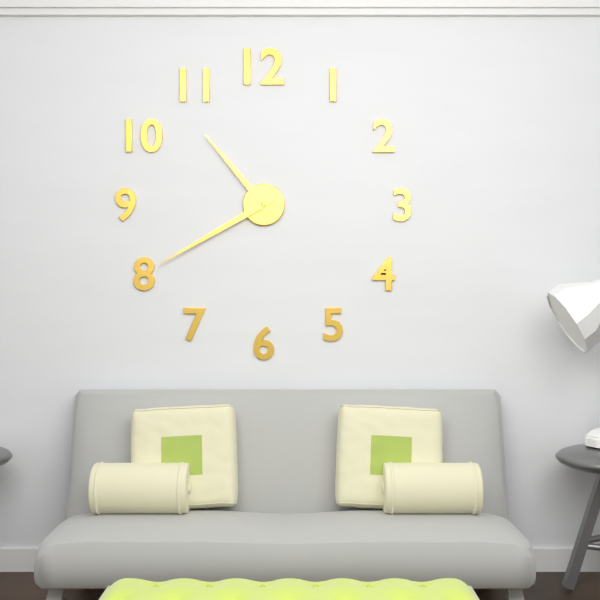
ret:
10:40
